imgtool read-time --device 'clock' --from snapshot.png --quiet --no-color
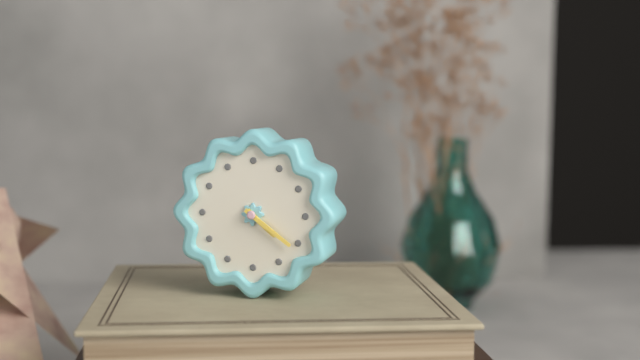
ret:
4:21
